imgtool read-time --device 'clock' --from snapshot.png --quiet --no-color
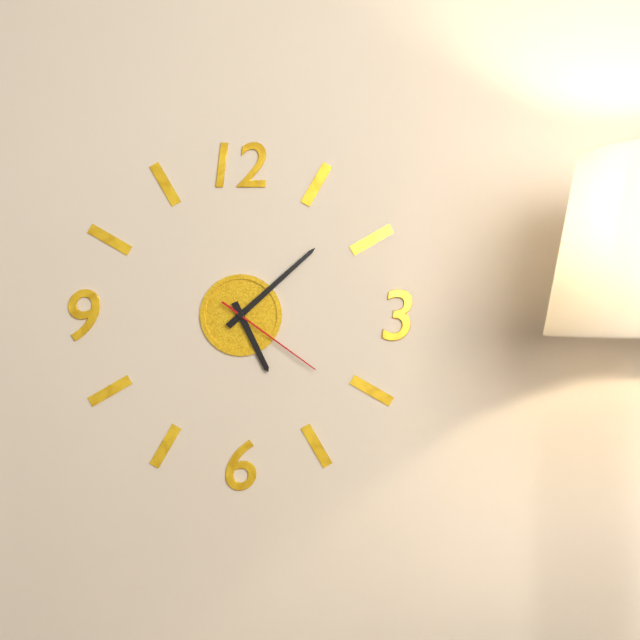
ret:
5:08:21
